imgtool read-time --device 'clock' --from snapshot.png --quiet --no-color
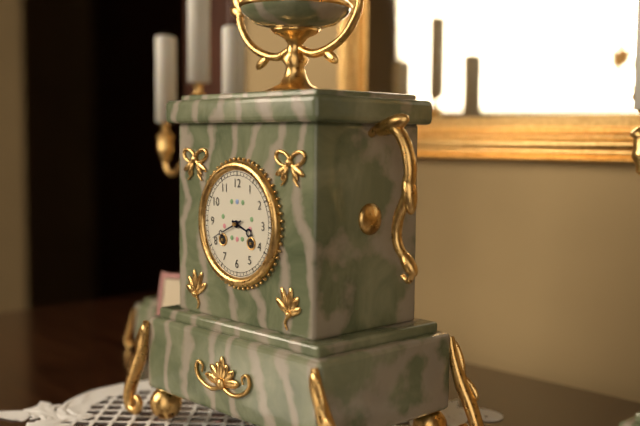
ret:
3:41
